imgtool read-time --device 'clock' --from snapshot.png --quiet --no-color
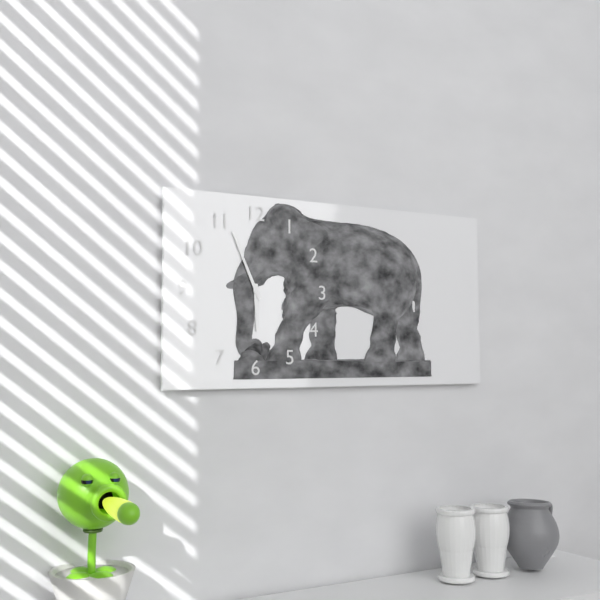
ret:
5:56
